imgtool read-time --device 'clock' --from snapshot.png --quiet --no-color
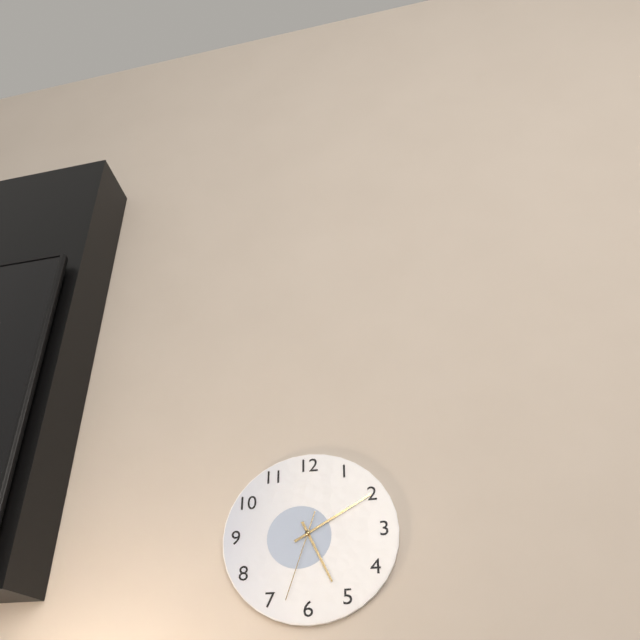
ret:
5:10:33
